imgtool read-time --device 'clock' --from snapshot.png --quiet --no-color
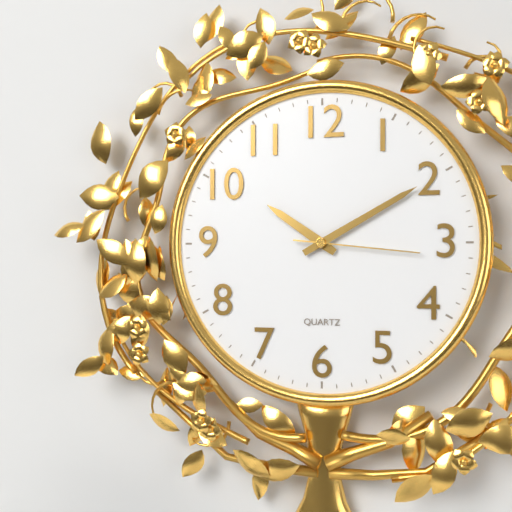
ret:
10:10:16
